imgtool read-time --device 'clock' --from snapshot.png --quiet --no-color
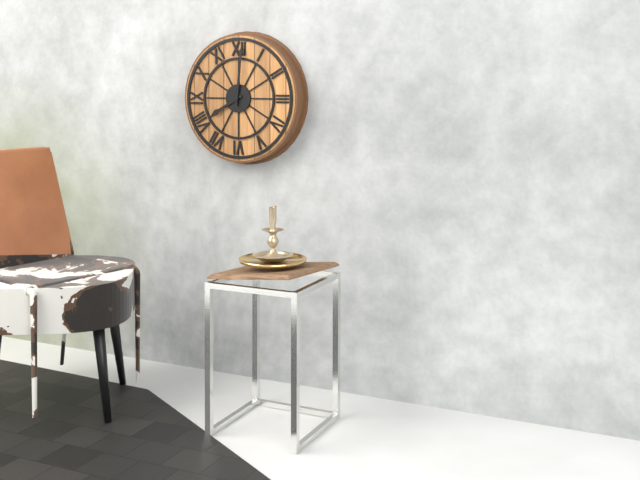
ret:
8:01
